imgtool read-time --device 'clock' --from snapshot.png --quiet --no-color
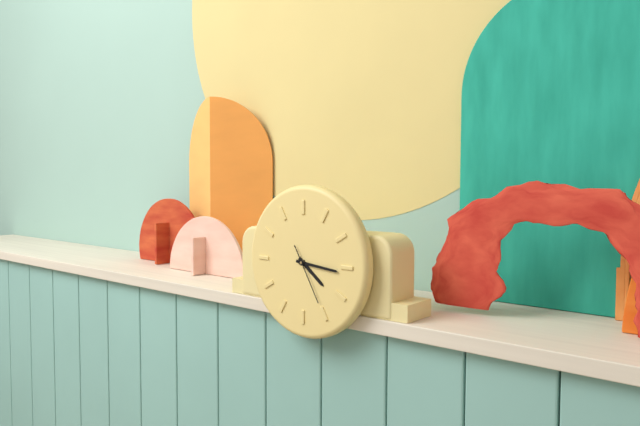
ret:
4:16:25
